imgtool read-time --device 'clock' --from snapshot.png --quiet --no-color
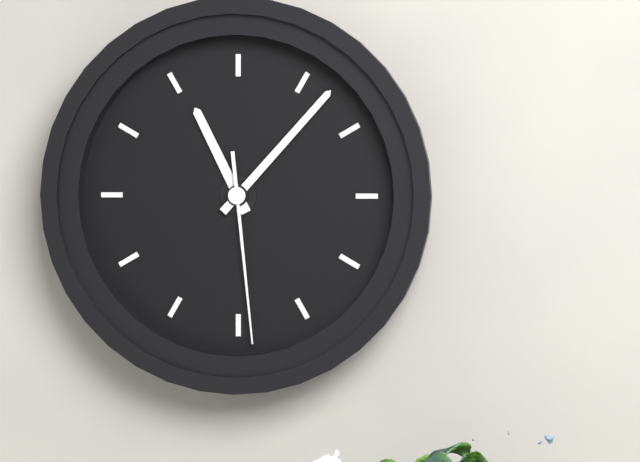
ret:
11:07:29
